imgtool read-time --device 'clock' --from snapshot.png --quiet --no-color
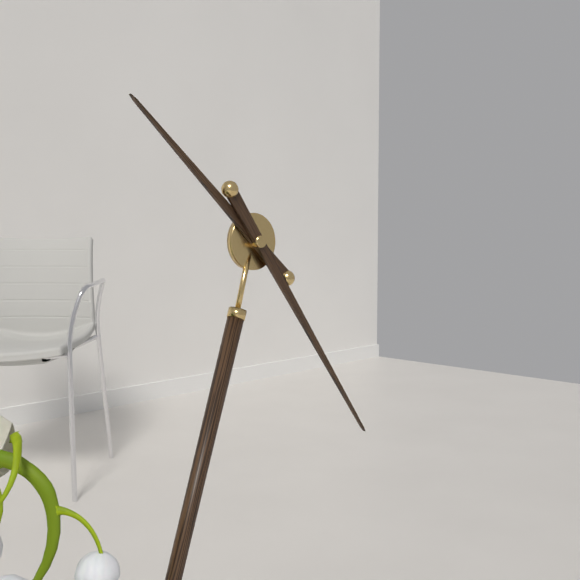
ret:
10:24
